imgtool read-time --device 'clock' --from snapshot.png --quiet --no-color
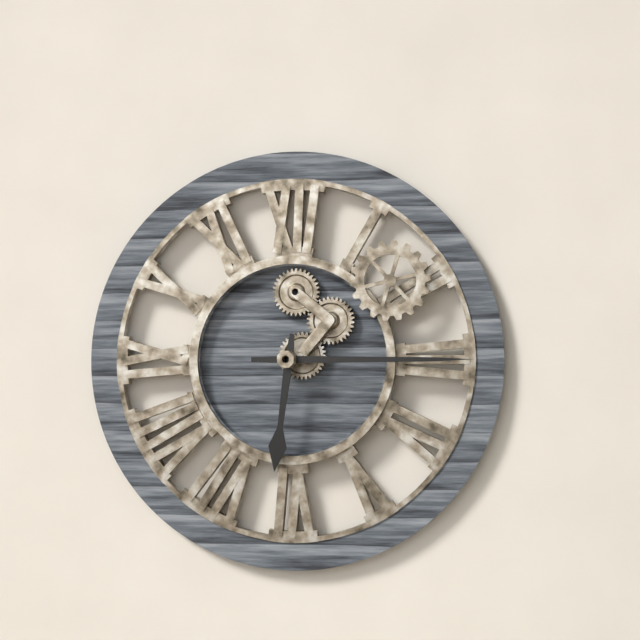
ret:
6:15
